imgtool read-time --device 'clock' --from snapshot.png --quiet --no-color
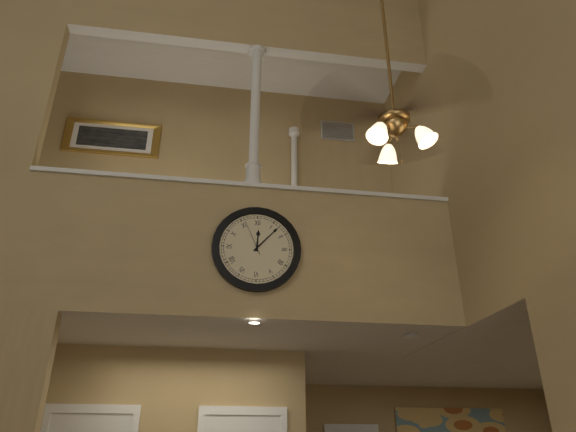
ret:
12:07
